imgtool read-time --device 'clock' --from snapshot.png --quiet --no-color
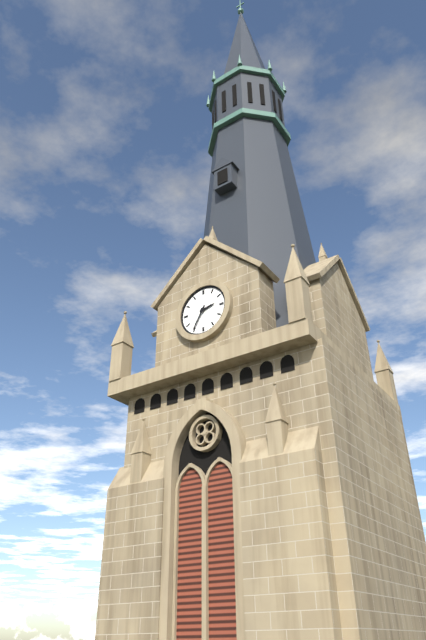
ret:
2:35
